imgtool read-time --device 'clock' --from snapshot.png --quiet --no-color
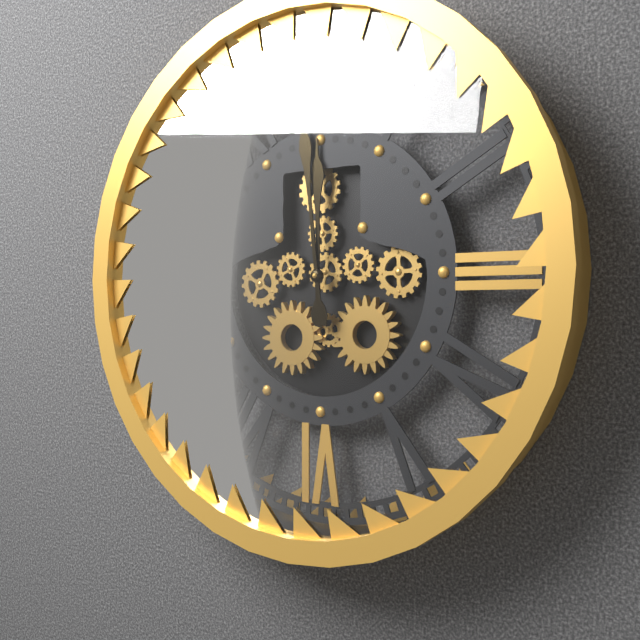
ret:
11:59
